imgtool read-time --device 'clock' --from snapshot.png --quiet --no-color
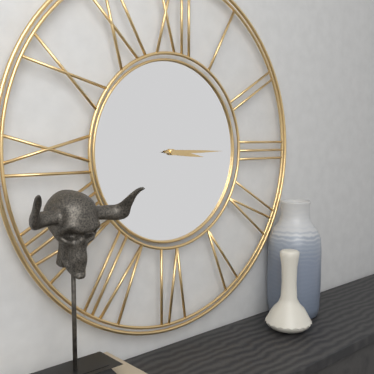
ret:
3:15
